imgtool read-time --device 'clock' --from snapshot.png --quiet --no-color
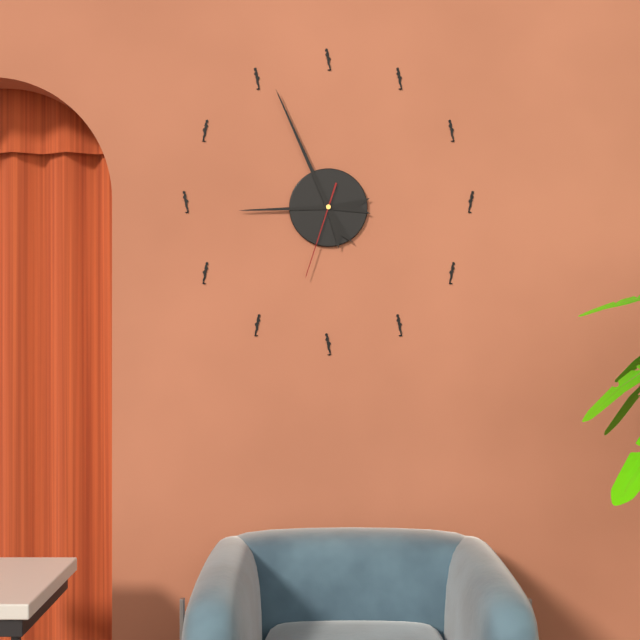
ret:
8:56:33
